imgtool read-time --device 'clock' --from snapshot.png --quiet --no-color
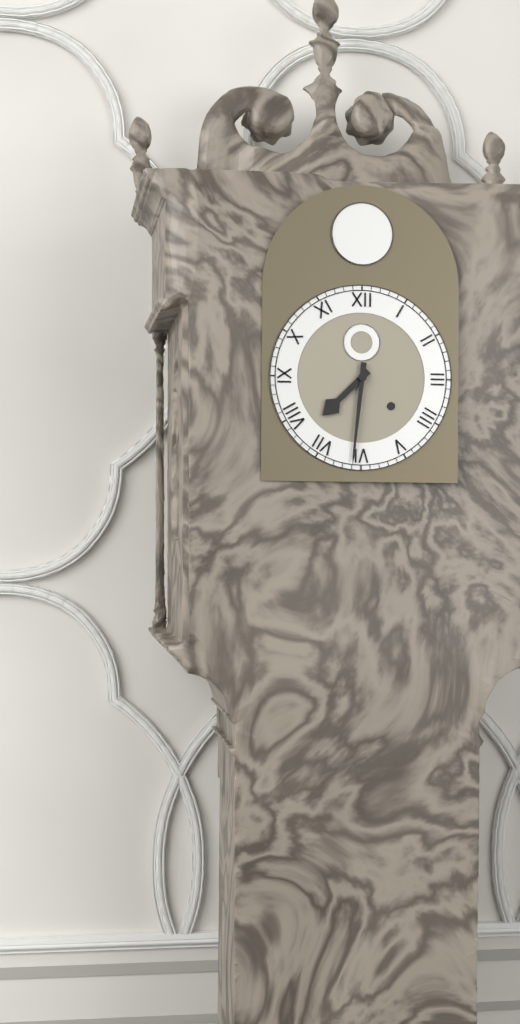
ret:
7:31
